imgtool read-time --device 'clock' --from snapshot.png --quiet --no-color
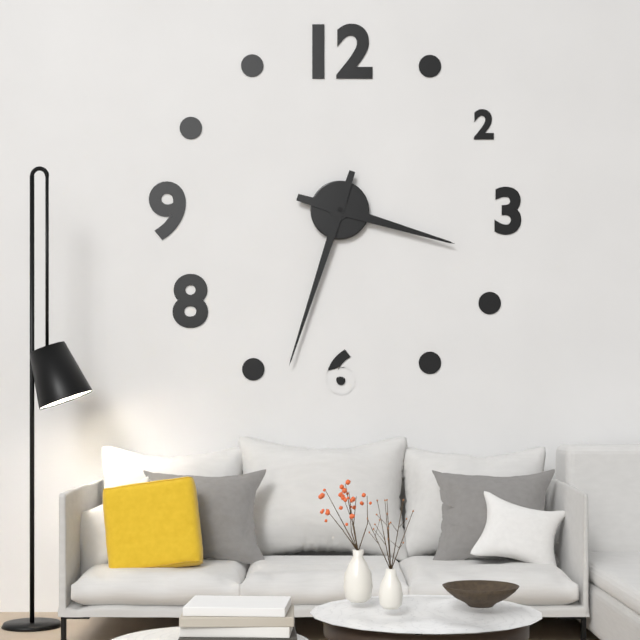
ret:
3:33
